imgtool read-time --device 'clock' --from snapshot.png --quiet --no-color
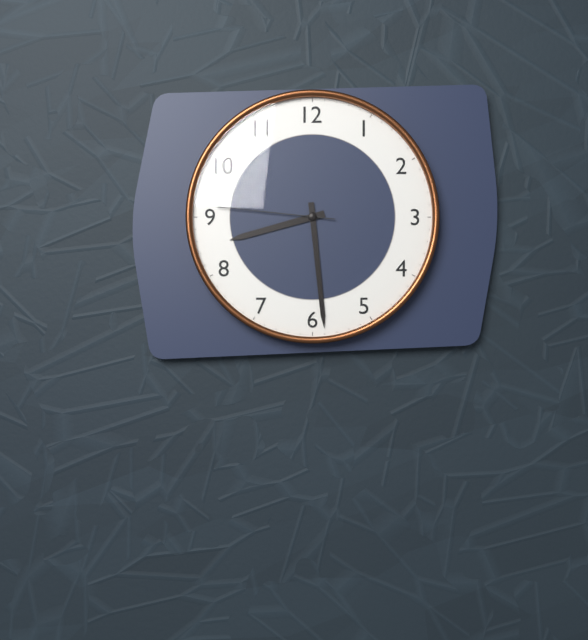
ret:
8:29:46
